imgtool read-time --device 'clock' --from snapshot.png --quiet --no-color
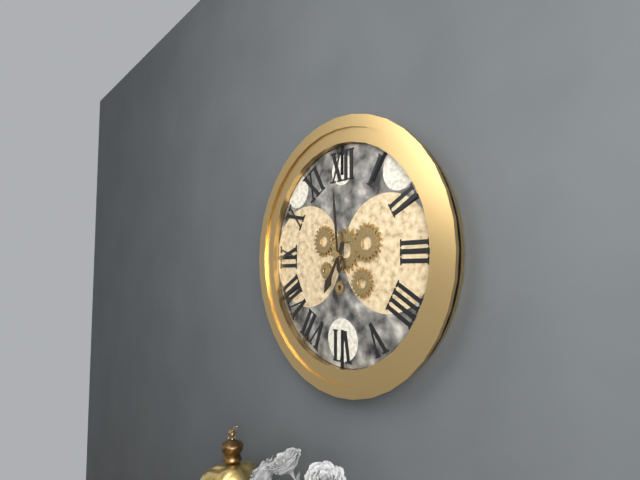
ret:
6:59
